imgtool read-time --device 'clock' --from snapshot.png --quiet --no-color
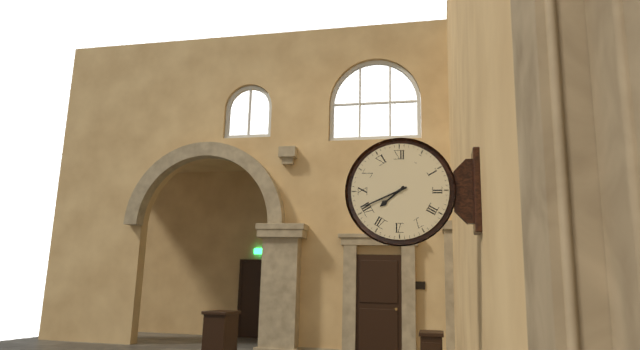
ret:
7:41
